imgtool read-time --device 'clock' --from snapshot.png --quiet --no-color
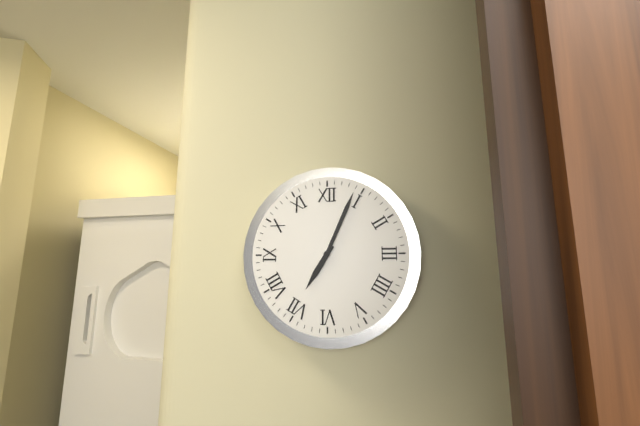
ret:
7:04
